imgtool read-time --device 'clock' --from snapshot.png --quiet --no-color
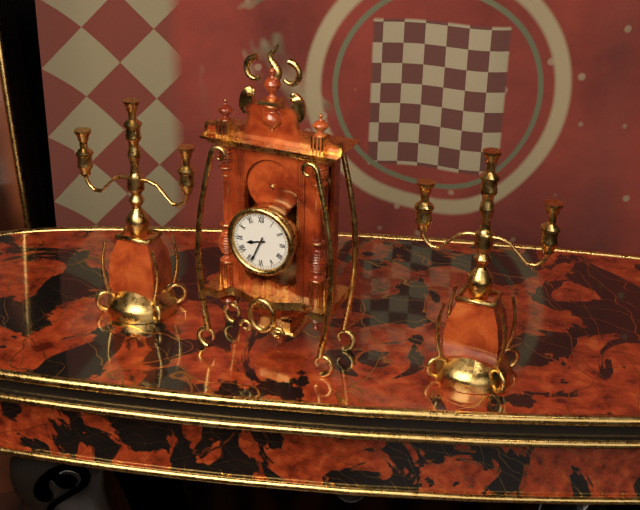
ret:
8:34
